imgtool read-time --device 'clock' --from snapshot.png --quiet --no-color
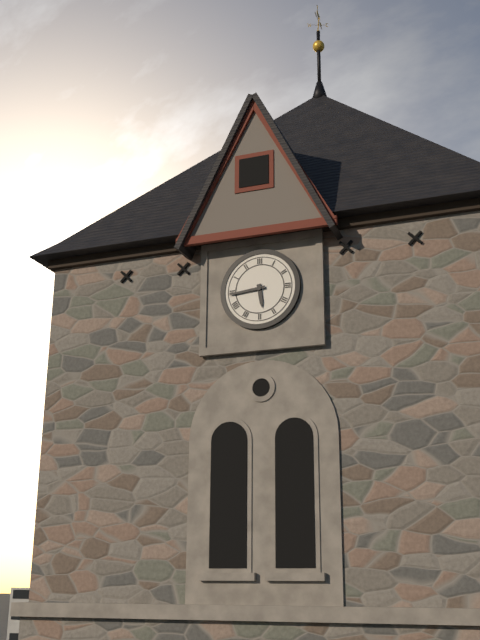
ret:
5:44
